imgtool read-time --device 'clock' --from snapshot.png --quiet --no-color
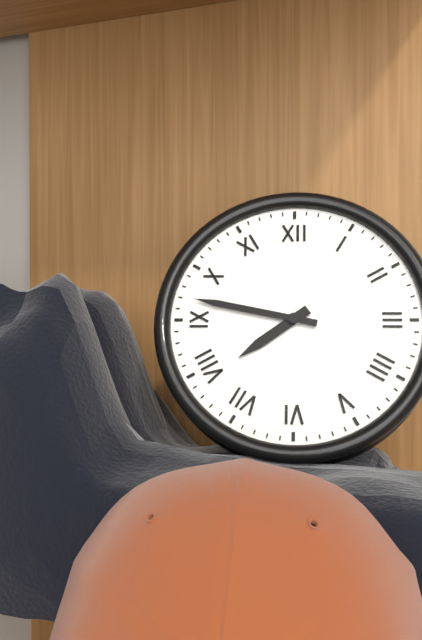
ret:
7:47
